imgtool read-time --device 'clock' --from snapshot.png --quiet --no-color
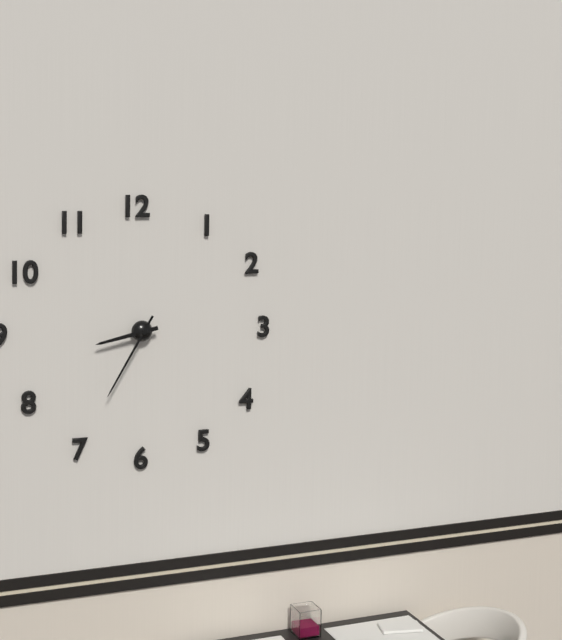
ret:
8:35
